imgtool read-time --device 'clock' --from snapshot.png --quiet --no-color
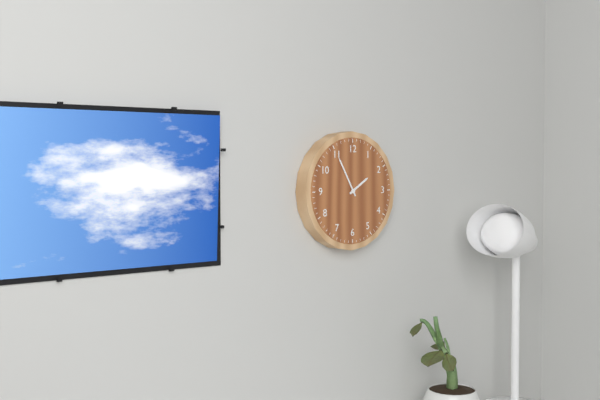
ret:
1:55
